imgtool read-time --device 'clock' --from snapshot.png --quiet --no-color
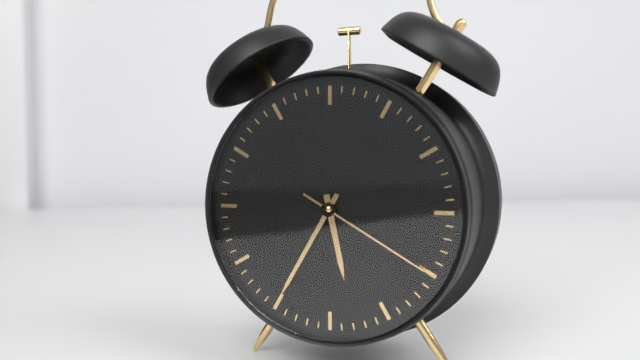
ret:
5:35:20
